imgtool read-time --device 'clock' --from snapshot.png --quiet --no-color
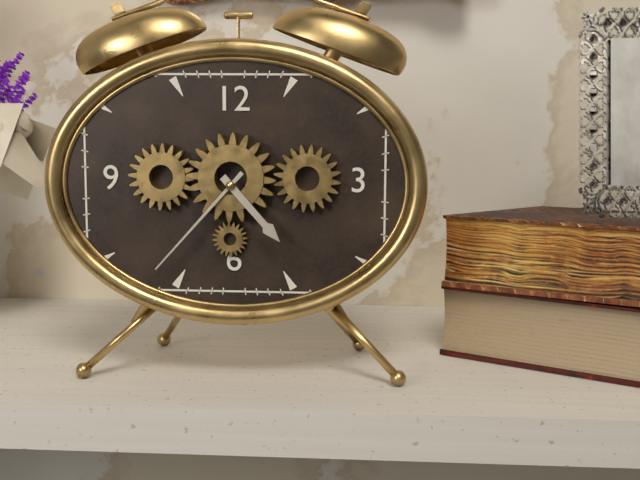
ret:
4:37
